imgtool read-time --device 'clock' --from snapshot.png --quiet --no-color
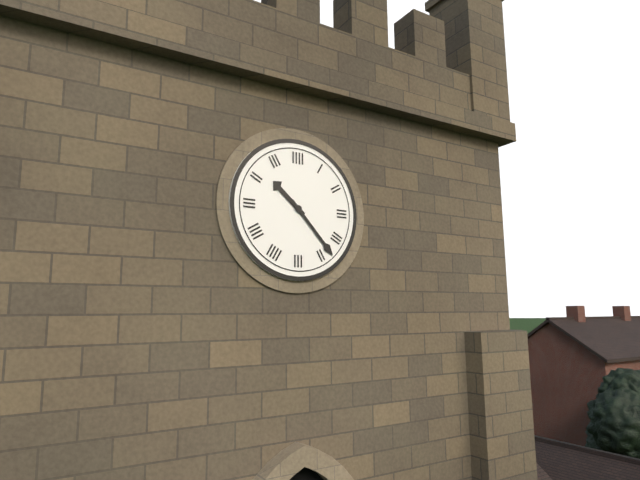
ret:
10:23
